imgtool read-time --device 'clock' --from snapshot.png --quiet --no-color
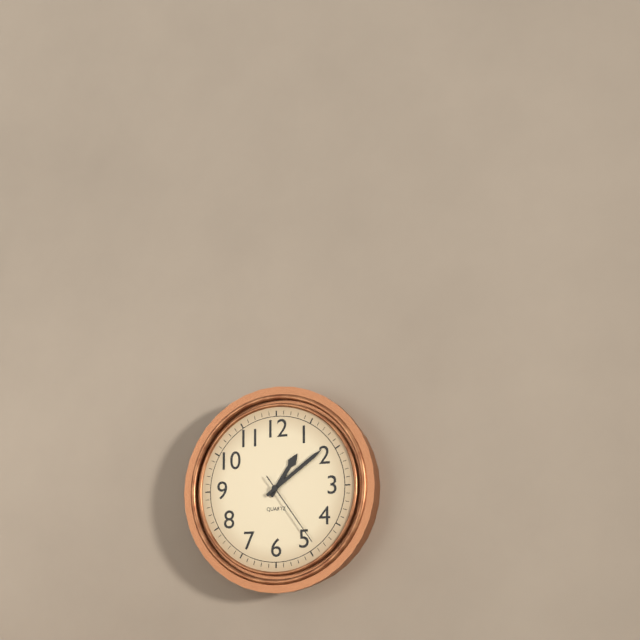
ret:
1:09:24
